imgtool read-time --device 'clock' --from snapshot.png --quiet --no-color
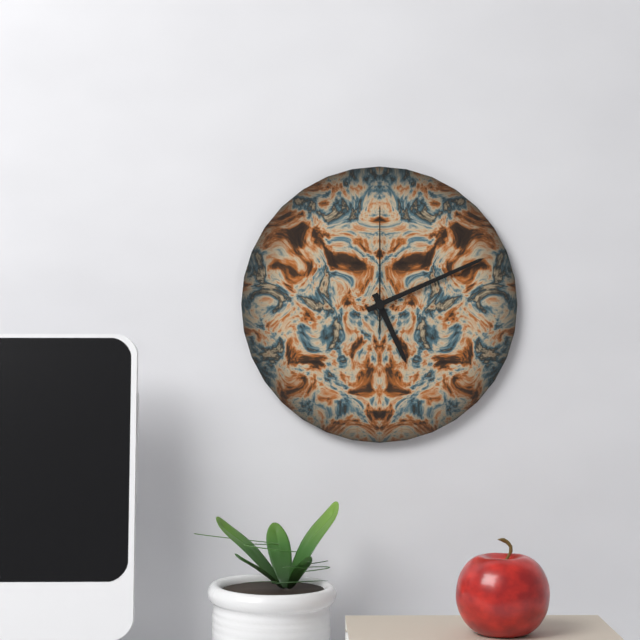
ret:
5:11:00
